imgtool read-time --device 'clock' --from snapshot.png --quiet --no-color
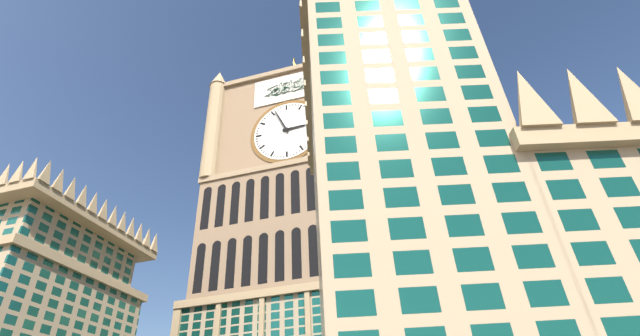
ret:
2:56
